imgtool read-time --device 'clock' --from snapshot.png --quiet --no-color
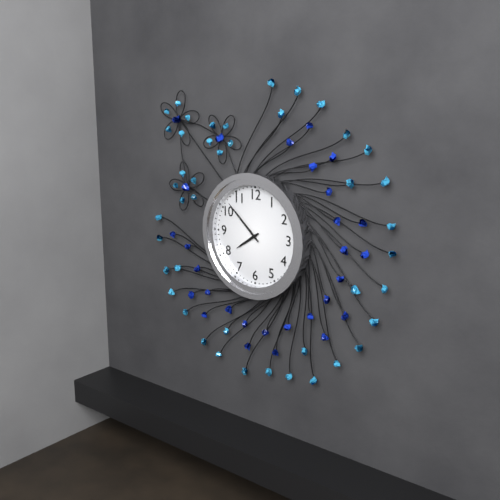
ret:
7:52
